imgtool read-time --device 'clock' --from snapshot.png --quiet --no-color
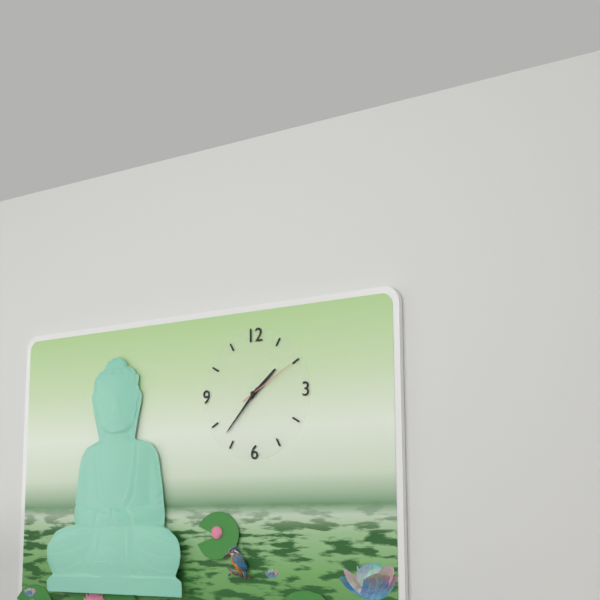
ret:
1:37:10
